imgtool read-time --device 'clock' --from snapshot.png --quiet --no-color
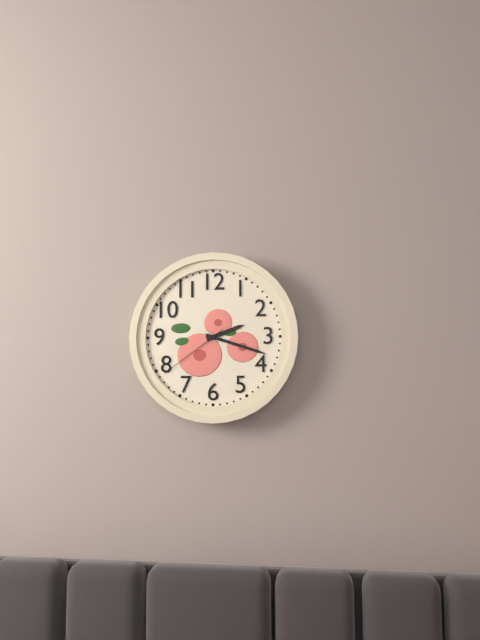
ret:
2:18:39
